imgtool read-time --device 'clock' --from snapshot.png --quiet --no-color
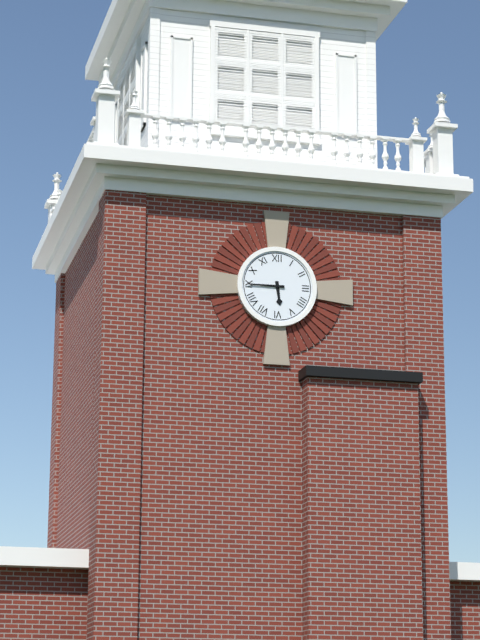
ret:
5:45
